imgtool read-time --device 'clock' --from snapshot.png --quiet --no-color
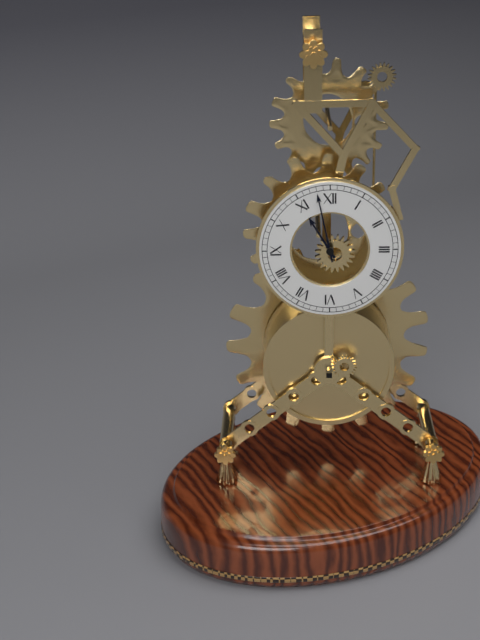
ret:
10:58
